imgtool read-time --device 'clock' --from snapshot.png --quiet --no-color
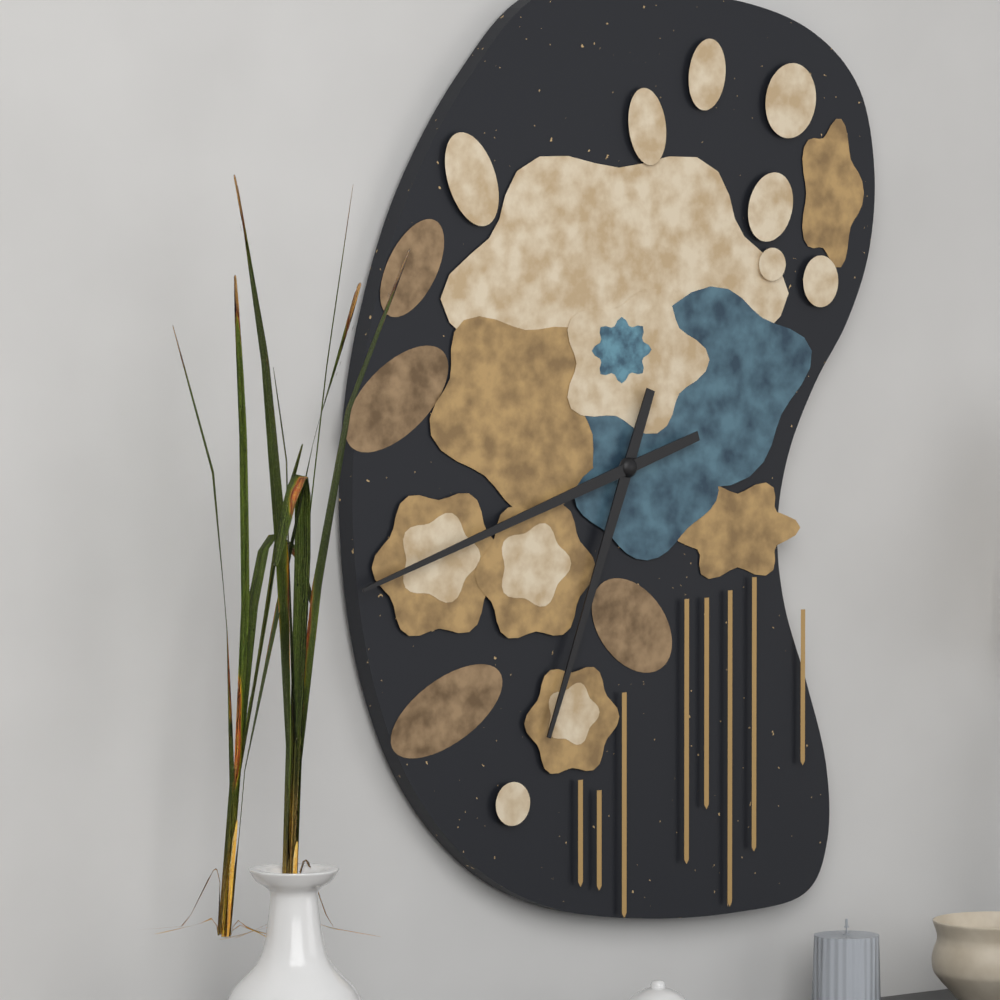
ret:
6:42
